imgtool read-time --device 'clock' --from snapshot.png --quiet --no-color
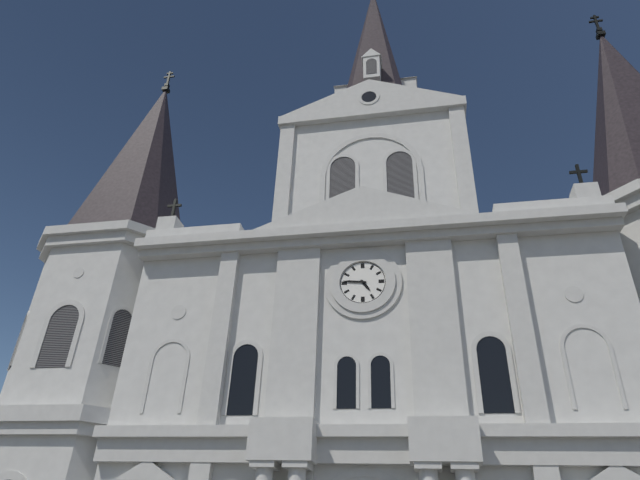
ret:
4:46
